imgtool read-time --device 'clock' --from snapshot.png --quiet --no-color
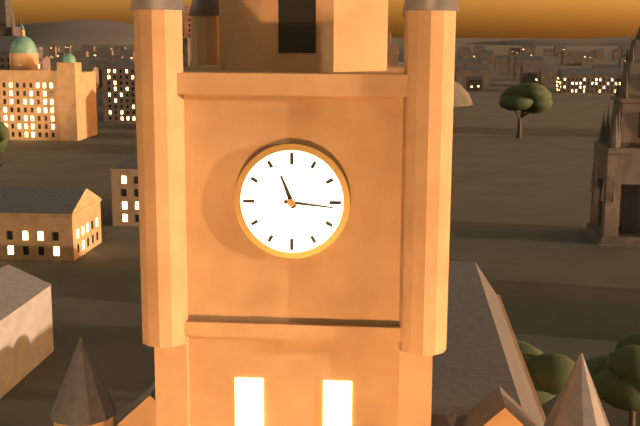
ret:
11:16
